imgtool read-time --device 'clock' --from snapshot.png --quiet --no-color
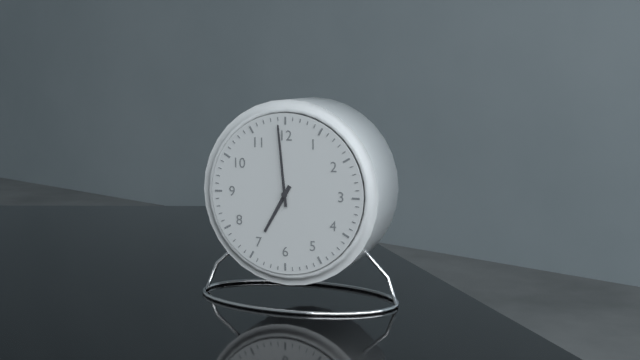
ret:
6:59
